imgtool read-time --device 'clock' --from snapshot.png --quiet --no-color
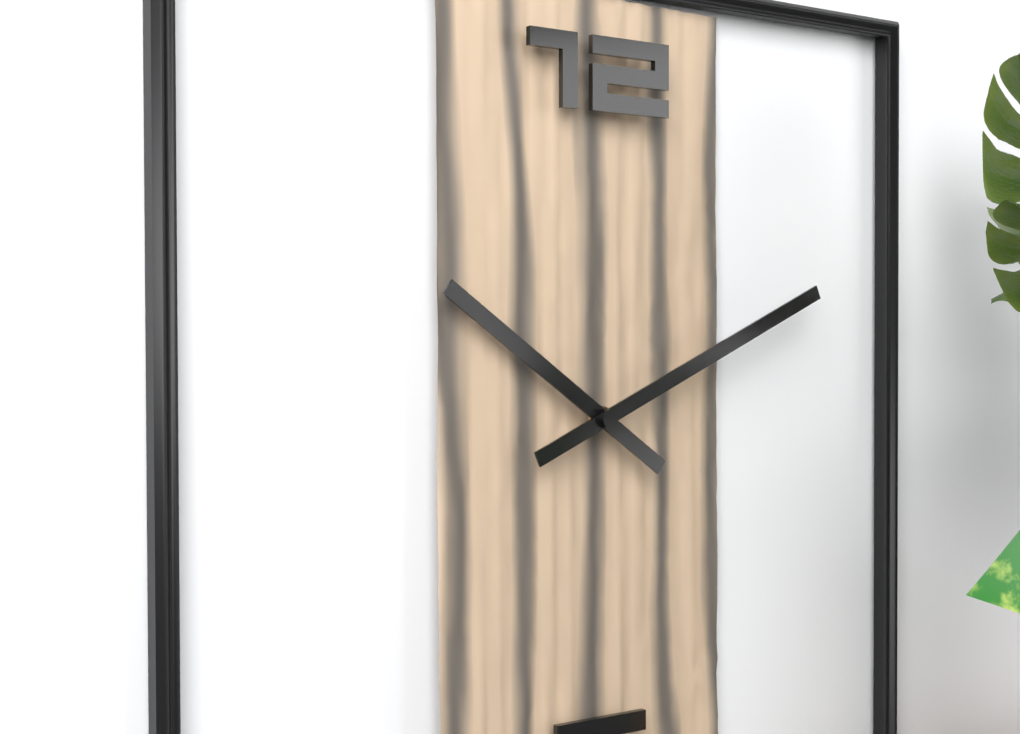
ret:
10:11
